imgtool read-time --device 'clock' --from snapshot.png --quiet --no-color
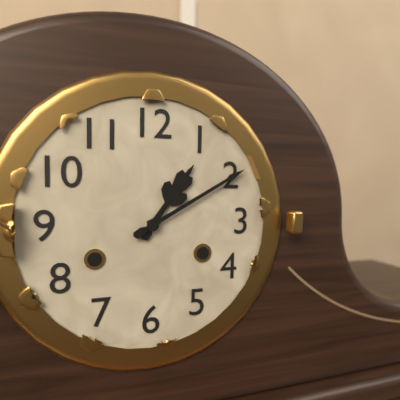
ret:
1:10
